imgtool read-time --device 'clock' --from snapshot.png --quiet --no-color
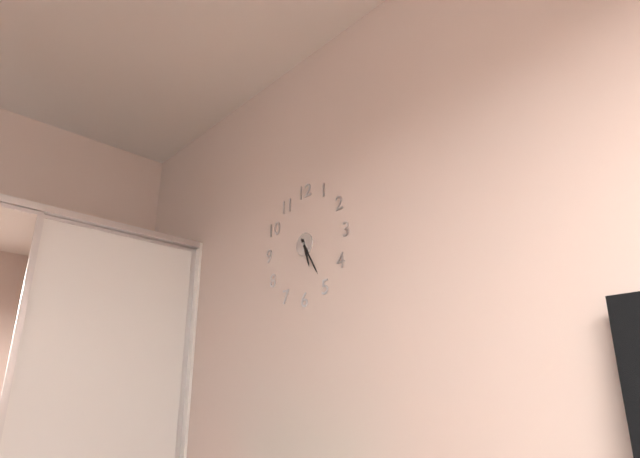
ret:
5:25
